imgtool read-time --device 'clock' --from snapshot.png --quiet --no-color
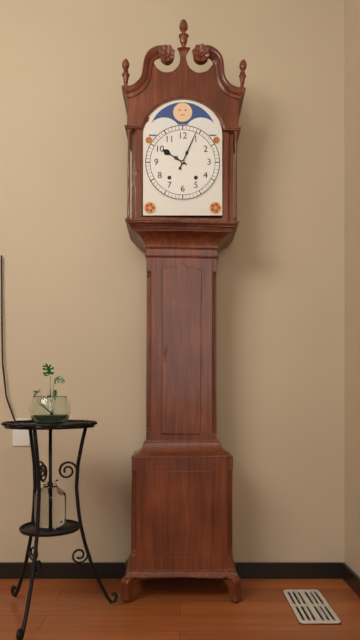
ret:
10:04
